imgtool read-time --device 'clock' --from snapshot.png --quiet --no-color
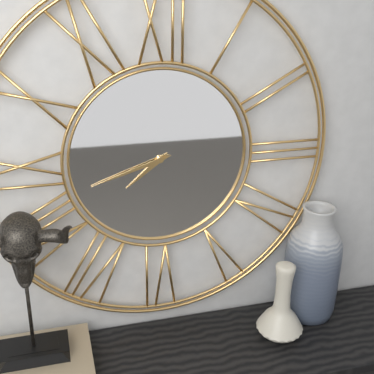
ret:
7:42
